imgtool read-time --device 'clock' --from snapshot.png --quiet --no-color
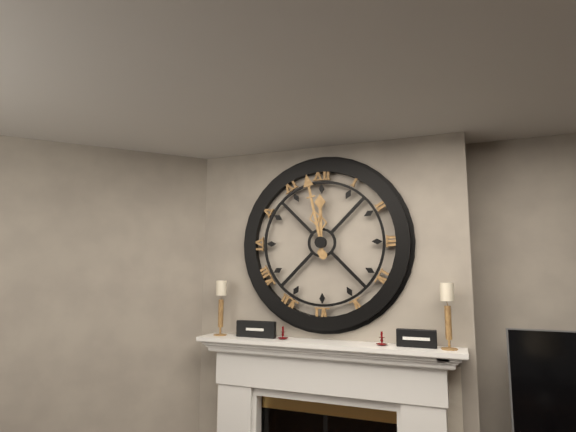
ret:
11:58
